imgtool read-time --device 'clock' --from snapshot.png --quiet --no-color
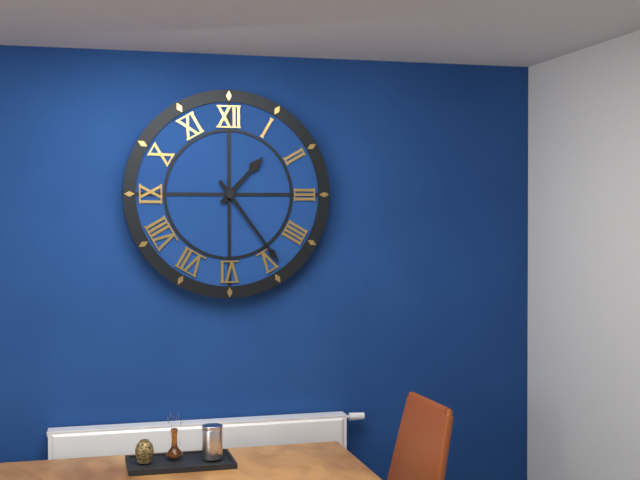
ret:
1:24
